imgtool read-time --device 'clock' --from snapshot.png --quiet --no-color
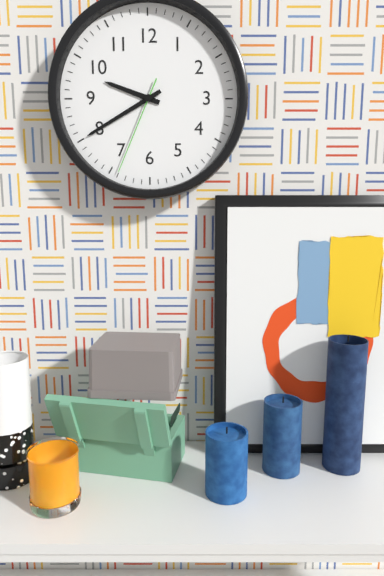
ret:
9:40:34
